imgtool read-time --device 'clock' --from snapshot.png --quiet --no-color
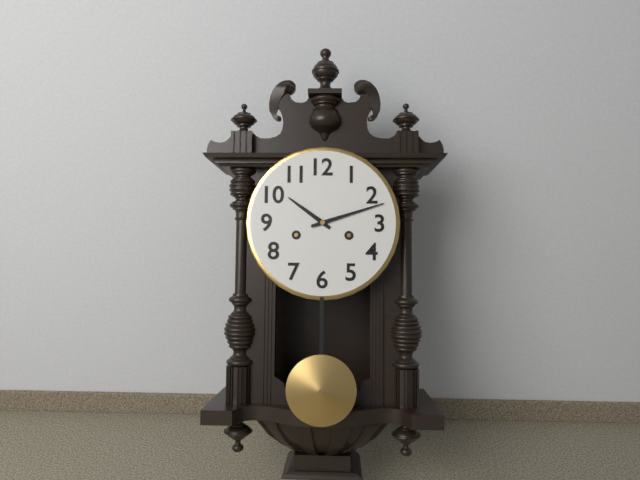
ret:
10:12
